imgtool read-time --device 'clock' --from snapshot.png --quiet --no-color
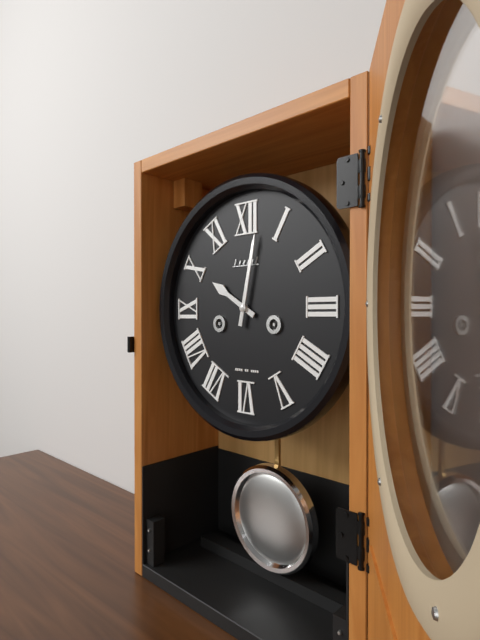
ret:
10:02
